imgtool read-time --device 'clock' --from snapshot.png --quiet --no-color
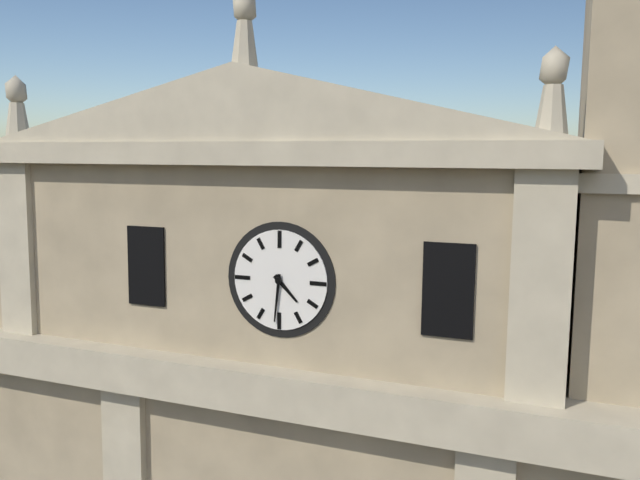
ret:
4:31
